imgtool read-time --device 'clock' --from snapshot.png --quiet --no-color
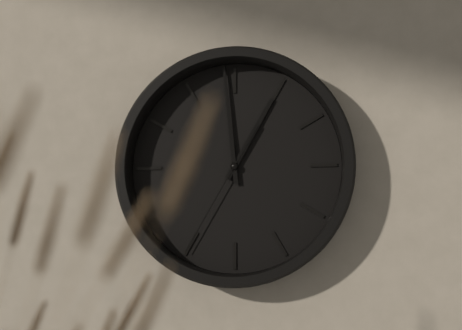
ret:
12:59:35
